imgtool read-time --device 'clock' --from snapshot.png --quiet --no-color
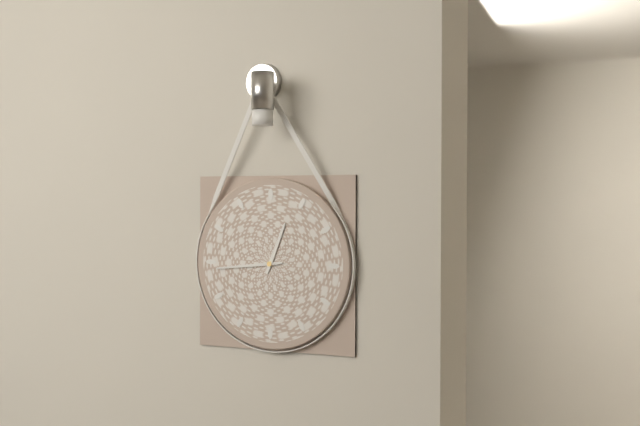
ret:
12:44
